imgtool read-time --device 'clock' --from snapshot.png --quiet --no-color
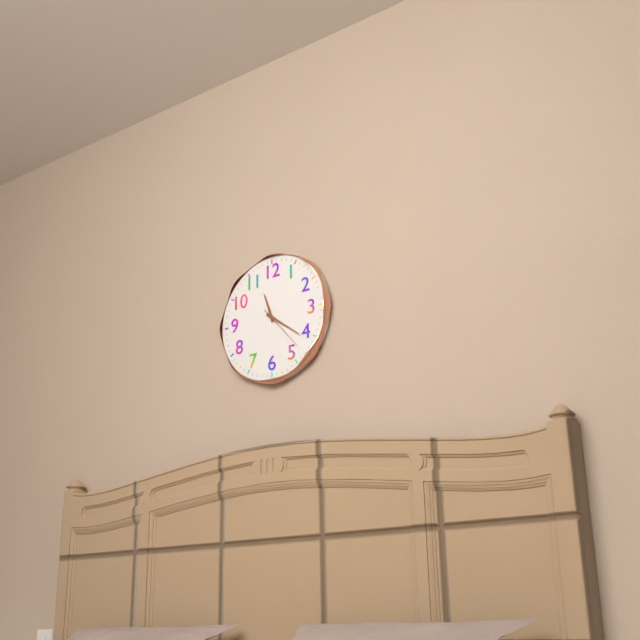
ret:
11:21:23
